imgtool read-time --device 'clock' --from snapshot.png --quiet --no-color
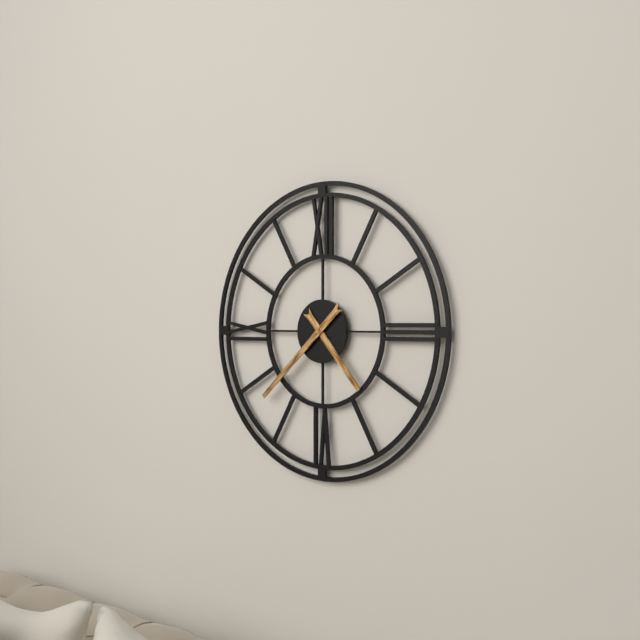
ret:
4:38
